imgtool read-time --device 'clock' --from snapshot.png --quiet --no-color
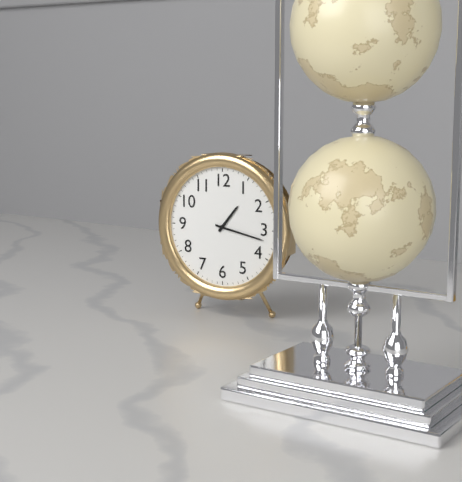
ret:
1:17
